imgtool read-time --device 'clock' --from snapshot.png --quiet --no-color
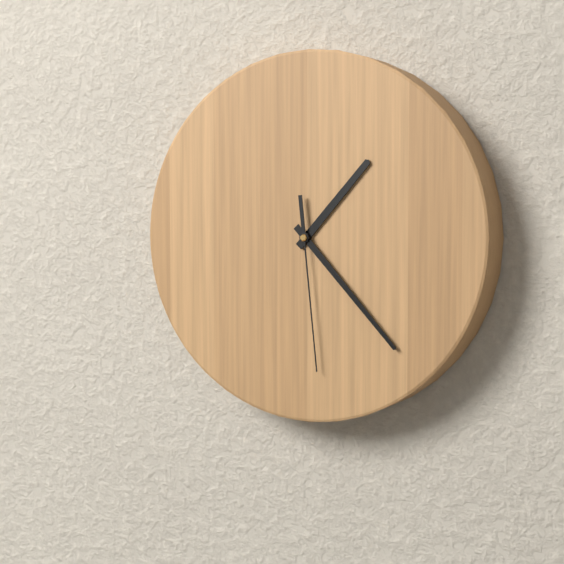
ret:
1:23:29
